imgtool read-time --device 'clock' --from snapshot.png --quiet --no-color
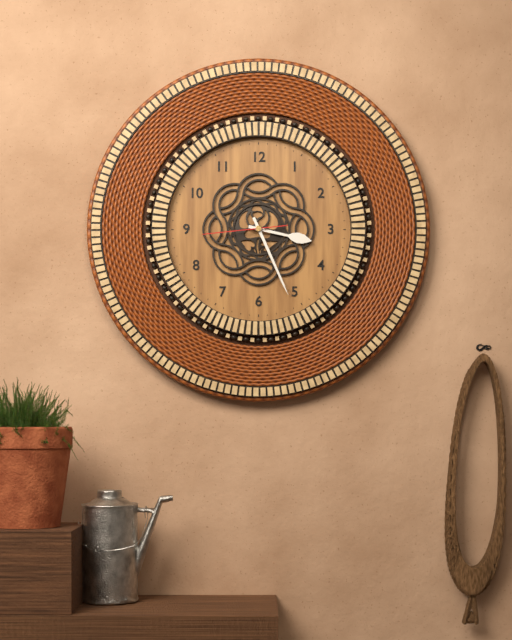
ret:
3:26:44
